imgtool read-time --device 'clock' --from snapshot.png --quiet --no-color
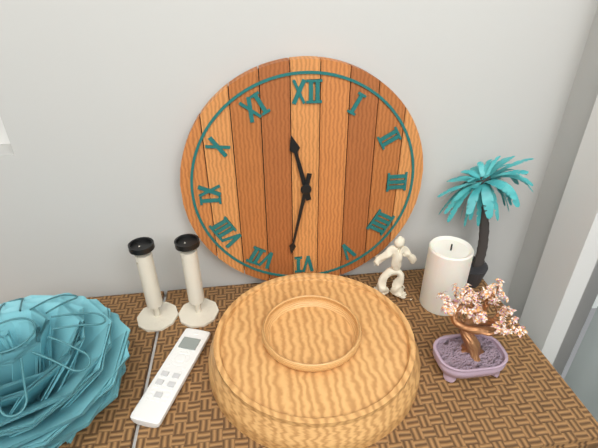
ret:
11:32
